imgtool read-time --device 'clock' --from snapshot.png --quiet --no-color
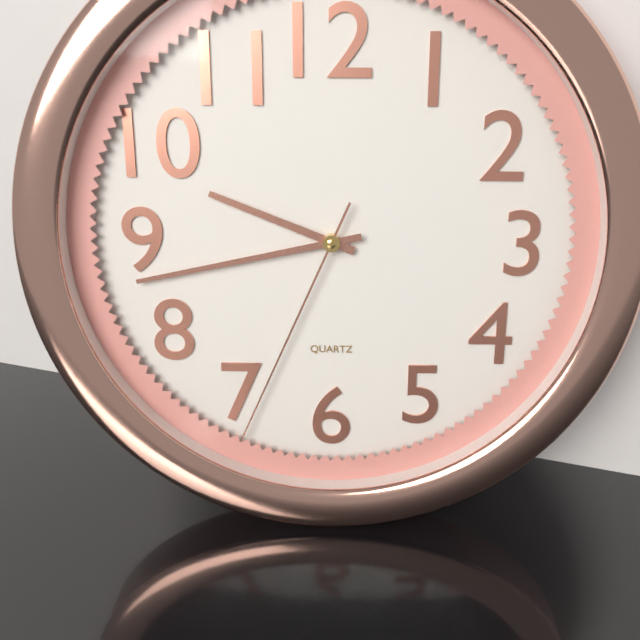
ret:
9:43:34
